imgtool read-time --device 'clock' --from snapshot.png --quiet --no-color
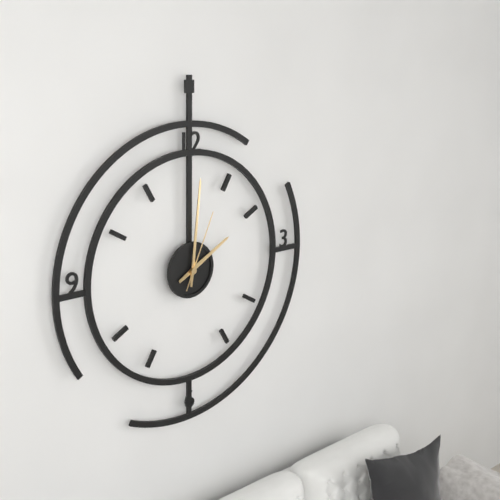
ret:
2:01:04
